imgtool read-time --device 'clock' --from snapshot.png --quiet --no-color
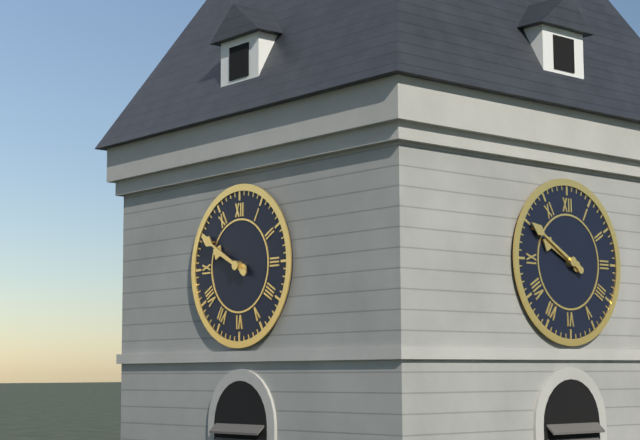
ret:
9:50
